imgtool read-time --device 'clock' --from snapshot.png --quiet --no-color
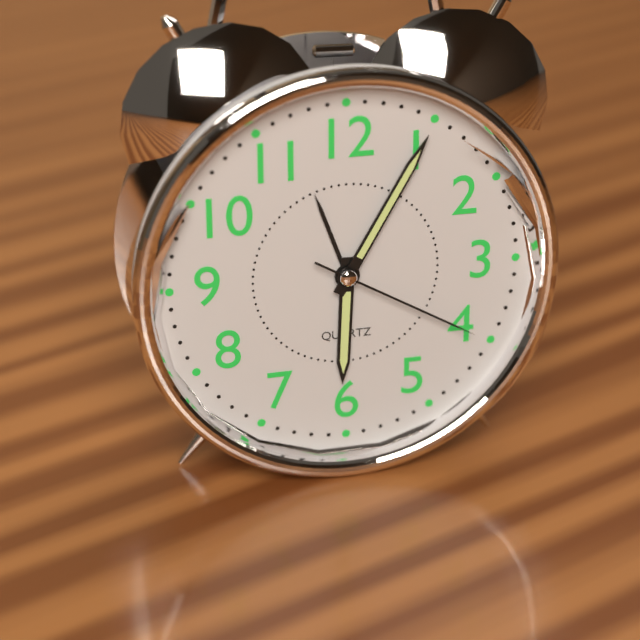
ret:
6:05:20
